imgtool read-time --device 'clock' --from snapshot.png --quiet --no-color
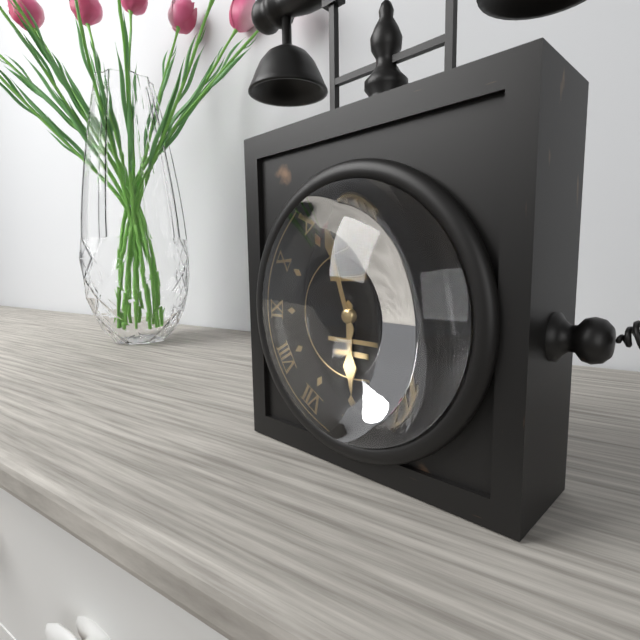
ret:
5:57
